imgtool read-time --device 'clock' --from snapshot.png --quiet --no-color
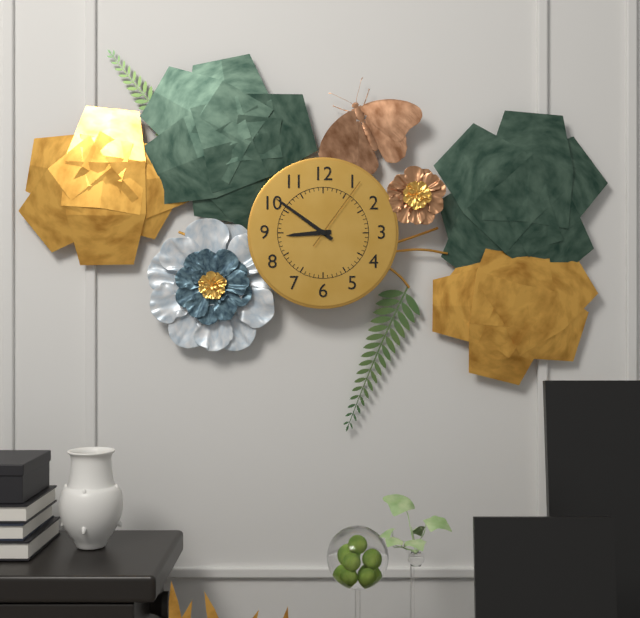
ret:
8:51:06
